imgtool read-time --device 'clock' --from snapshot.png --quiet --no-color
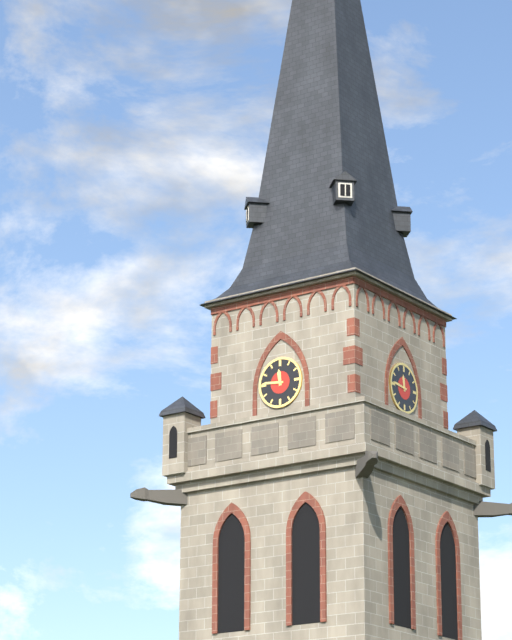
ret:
11:46
